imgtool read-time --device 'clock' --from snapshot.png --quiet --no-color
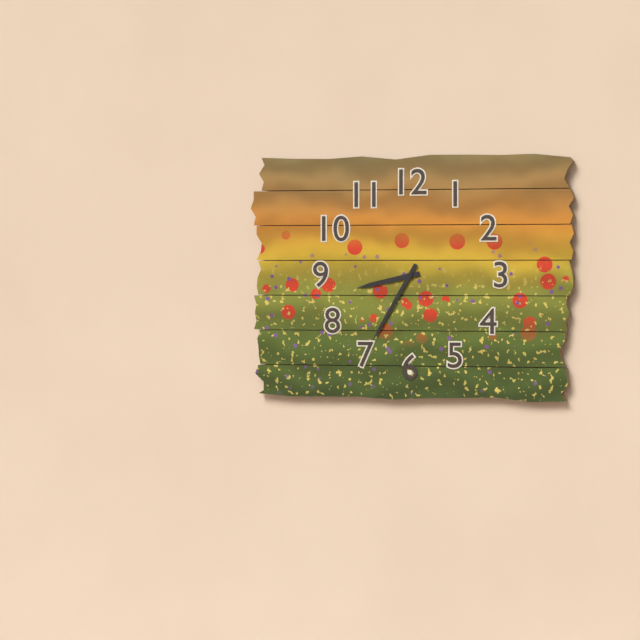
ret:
8:35
